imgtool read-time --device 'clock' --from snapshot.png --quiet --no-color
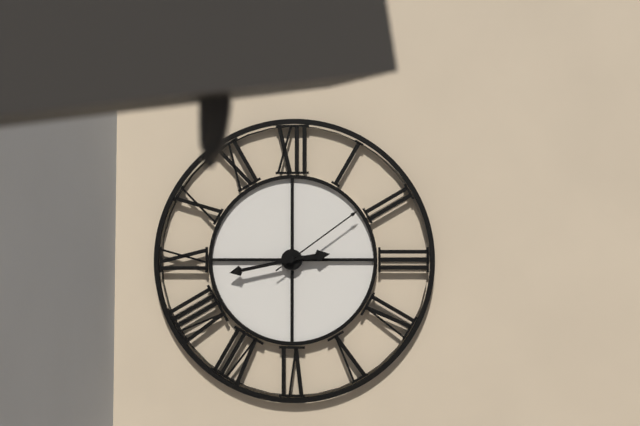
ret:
2:43:09
